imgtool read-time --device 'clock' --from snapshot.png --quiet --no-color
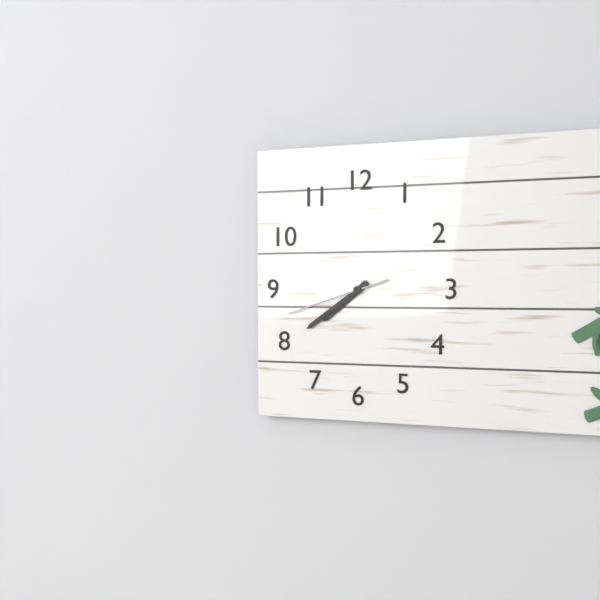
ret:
7:39:42
